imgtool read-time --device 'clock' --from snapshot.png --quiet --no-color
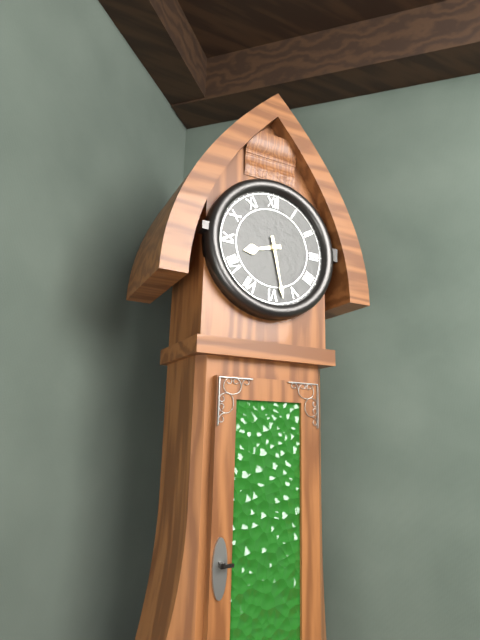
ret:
8:28
